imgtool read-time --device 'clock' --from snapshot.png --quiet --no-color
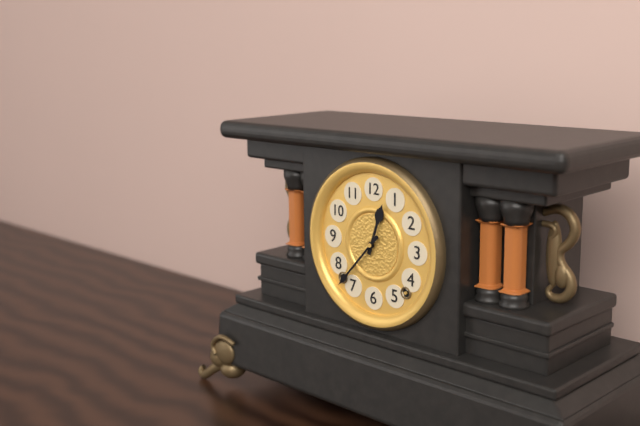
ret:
12:37
